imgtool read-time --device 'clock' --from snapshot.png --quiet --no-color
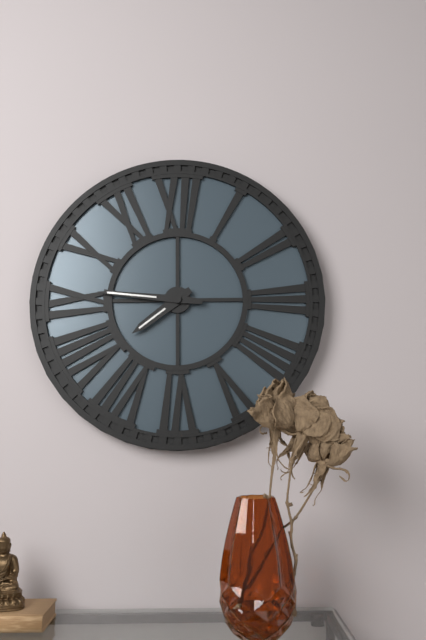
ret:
7:46
